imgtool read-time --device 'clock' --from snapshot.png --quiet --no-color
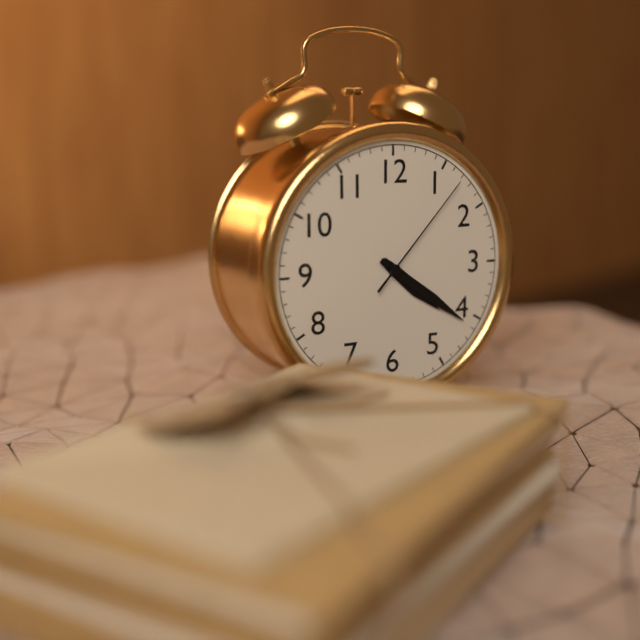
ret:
4:21:07
